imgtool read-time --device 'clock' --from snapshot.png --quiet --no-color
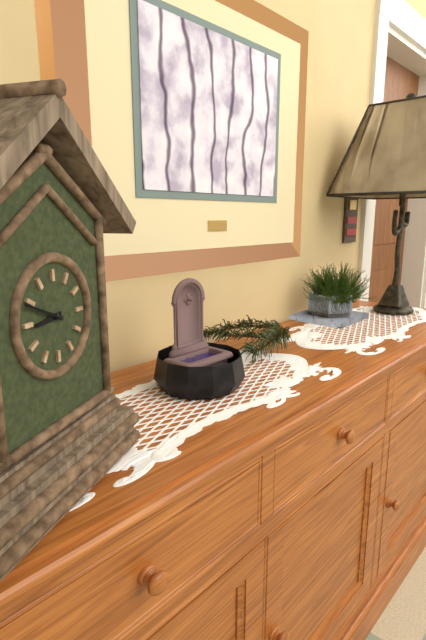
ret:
8:49
